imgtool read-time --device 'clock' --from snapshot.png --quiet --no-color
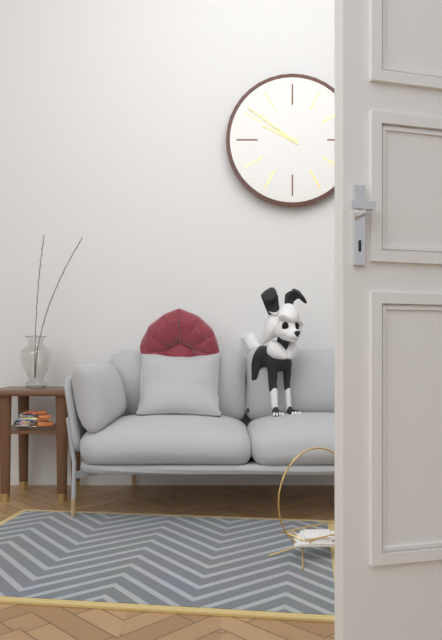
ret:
9:51
